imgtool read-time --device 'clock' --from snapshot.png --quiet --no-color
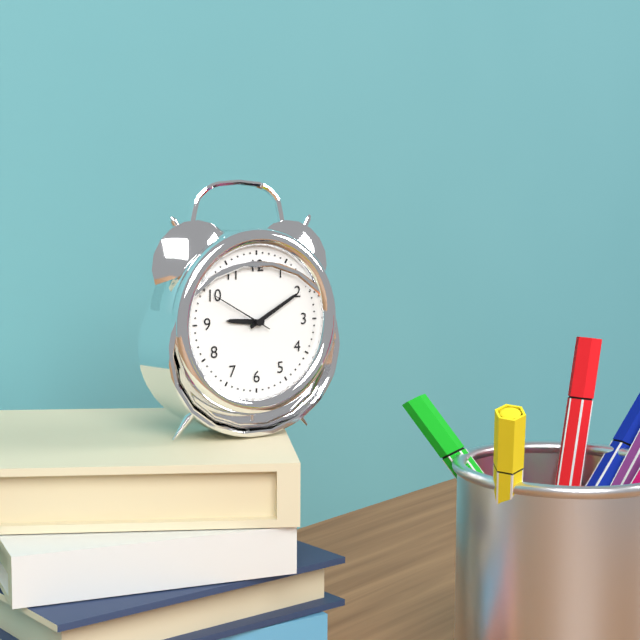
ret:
9:10:50
